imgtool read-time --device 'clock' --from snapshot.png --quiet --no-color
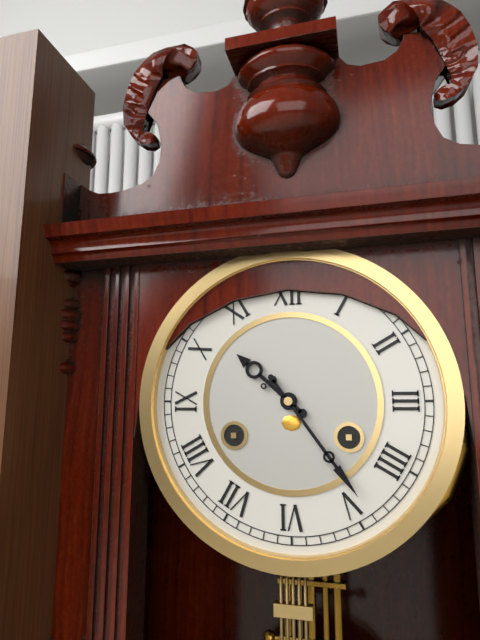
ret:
10:24
